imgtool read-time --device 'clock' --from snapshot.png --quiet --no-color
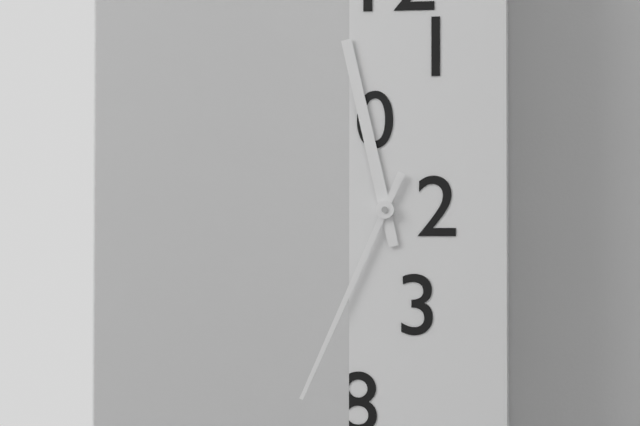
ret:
11:34
